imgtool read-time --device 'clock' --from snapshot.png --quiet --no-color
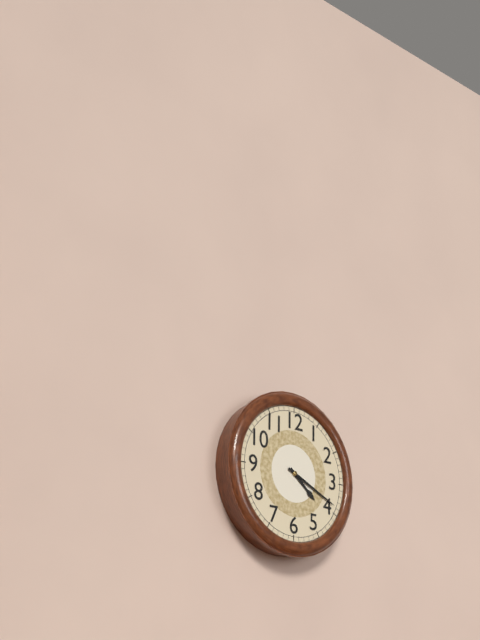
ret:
4:19
